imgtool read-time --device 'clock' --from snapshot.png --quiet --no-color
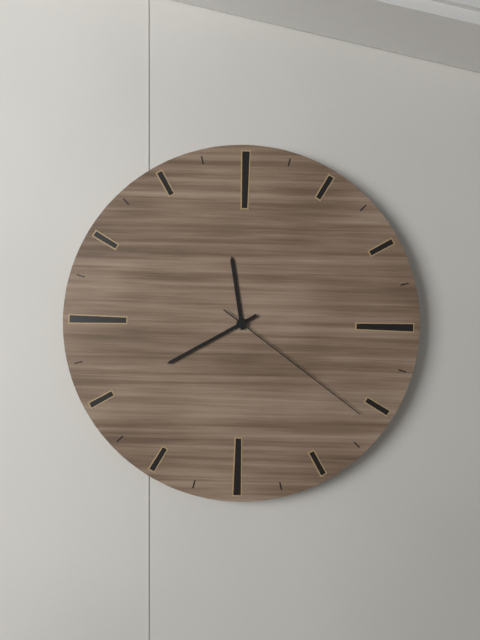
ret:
11:40:21
